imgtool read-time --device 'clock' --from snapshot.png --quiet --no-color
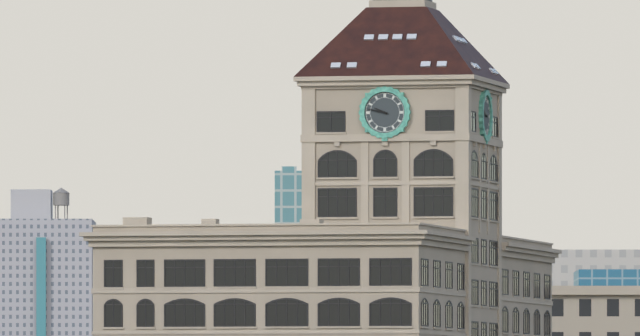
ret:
9:47
